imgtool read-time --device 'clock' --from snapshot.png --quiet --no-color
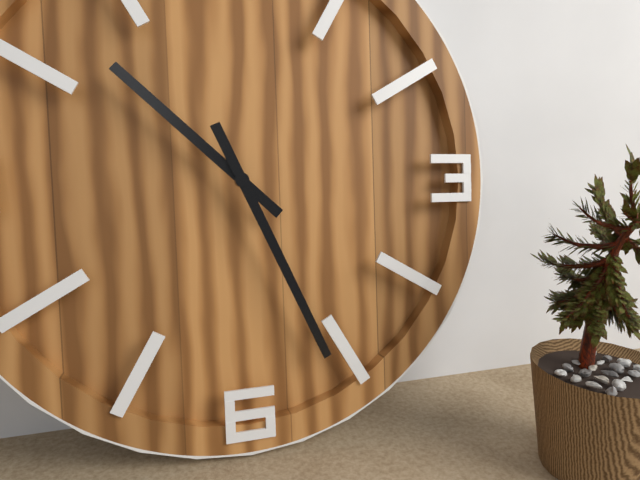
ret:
10:26
